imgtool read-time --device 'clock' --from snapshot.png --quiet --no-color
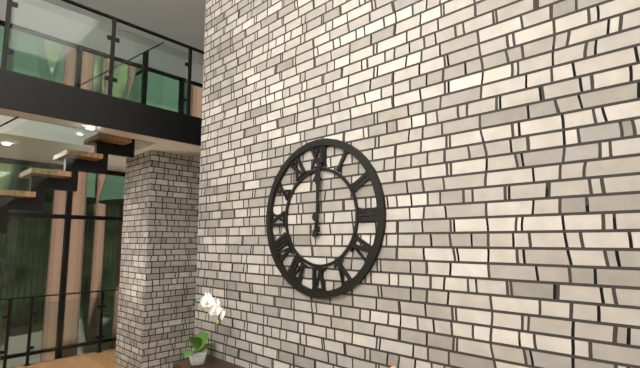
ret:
12:01
